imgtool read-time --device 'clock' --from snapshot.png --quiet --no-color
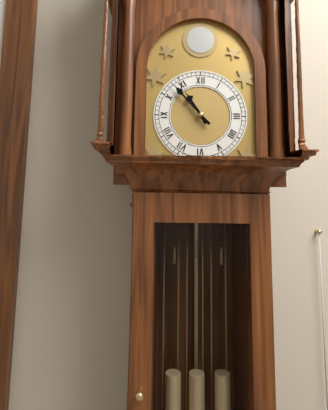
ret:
10:53
